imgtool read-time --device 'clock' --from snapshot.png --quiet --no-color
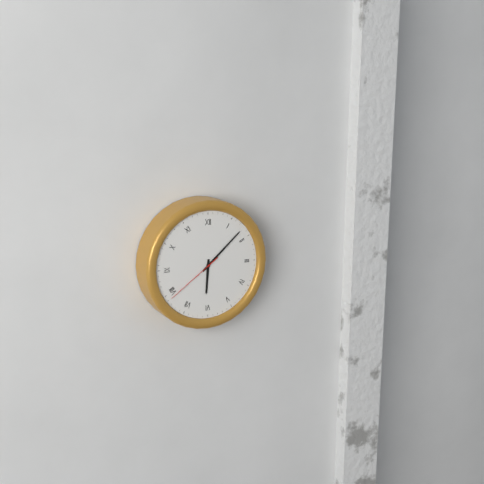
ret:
6:08:39
